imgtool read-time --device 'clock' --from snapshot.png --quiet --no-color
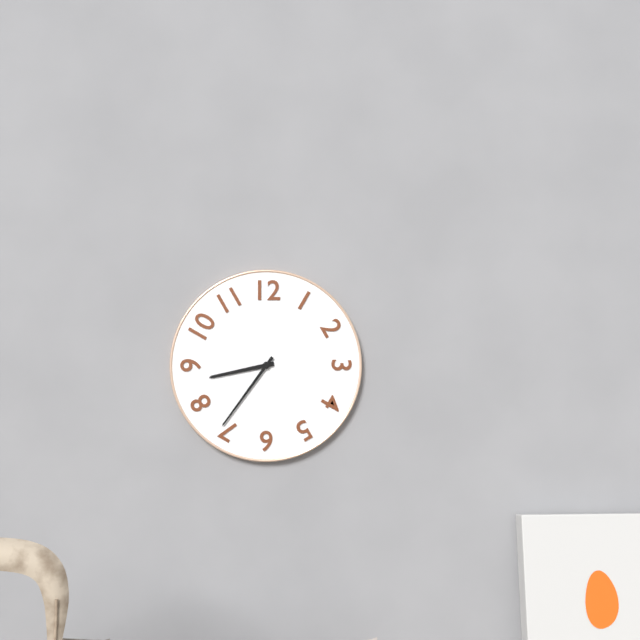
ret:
8:36
